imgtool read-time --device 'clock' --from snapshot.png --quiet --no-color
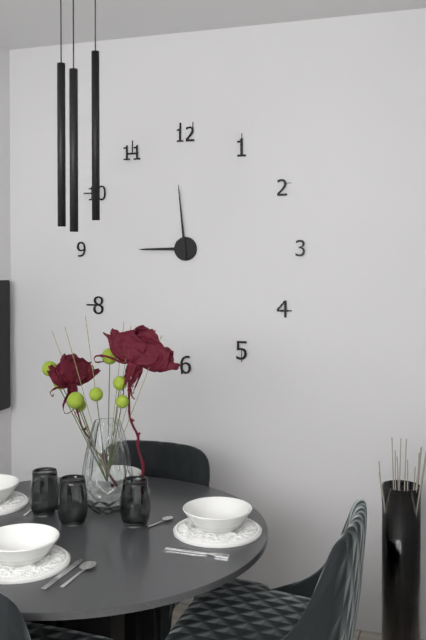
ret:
8:59
